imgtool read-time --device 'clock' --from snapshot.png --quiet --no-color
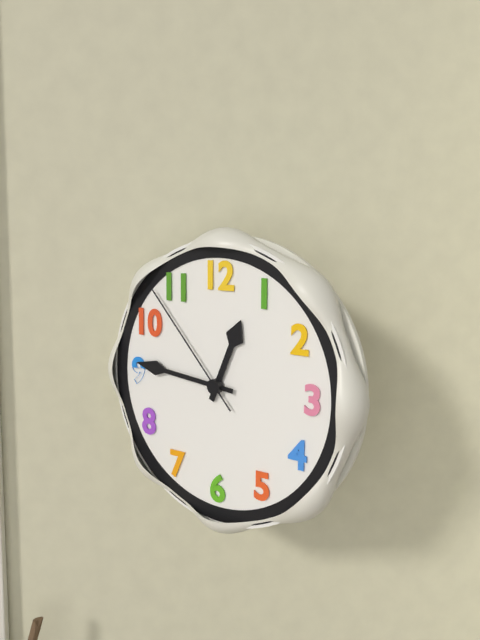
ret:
12:46:53
